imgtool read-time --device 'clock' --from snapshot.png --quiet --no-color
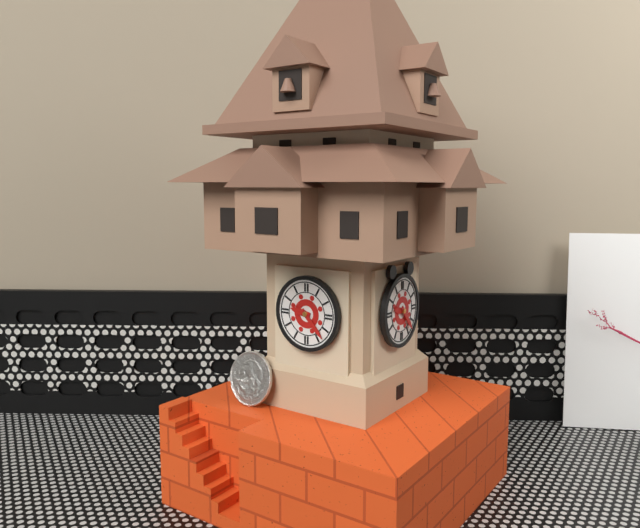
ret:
9:23
